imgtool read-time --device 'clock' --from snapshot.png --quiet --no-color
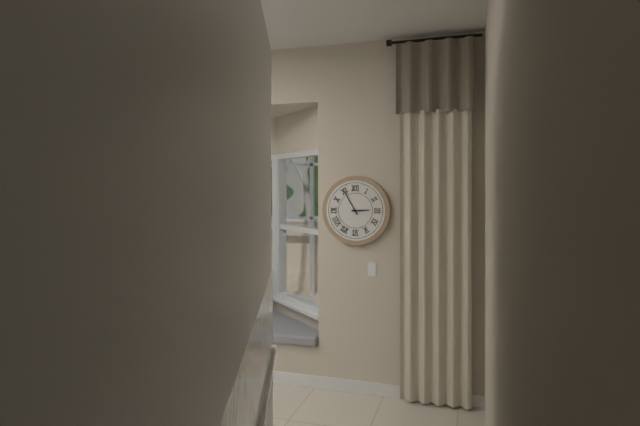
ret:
2:55
